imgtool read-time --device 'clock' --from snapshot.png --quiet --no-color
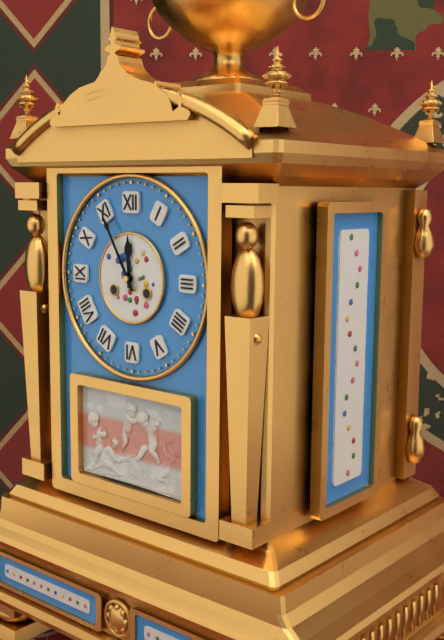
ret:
11:55
